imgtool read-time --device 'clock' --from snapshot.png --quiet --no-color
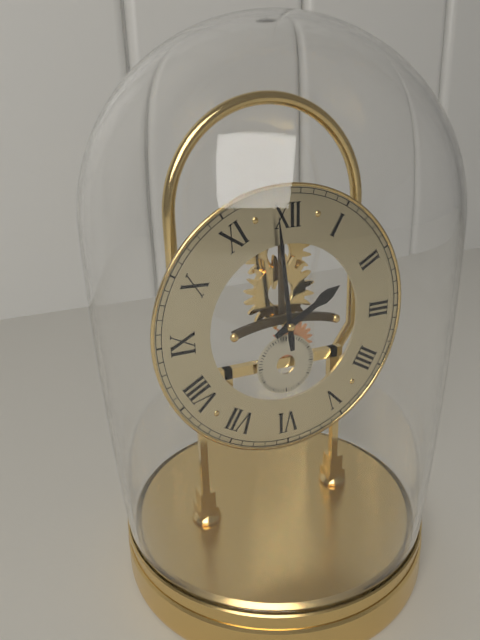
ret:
1:59
